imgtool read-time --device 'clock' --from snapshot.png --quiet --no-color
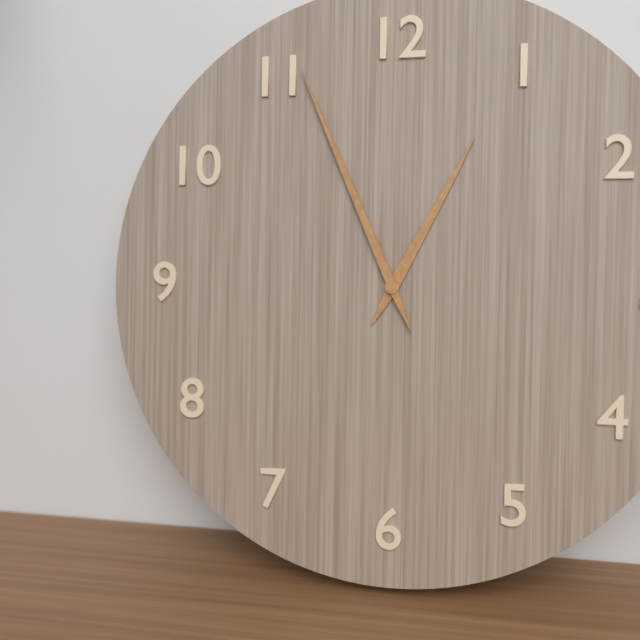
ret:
12:56
